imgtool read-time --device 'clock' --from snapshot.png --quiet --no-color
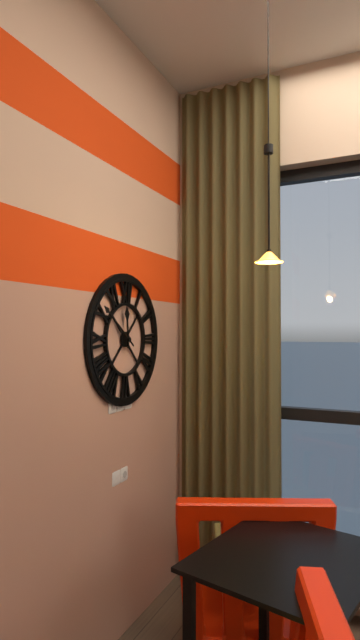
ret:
11:51
